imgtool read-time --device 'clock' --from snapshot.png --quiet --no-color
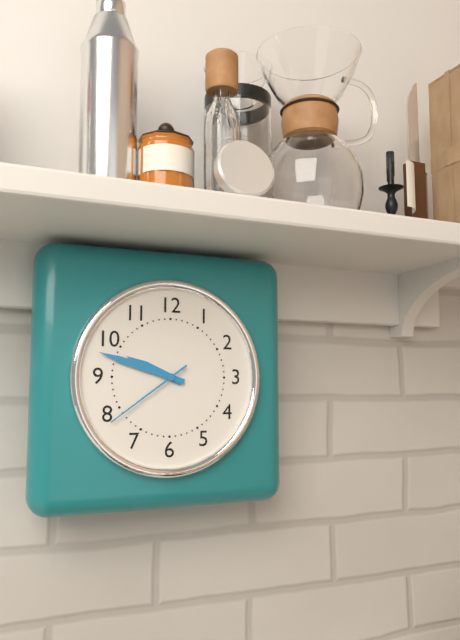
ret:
9:48:39
